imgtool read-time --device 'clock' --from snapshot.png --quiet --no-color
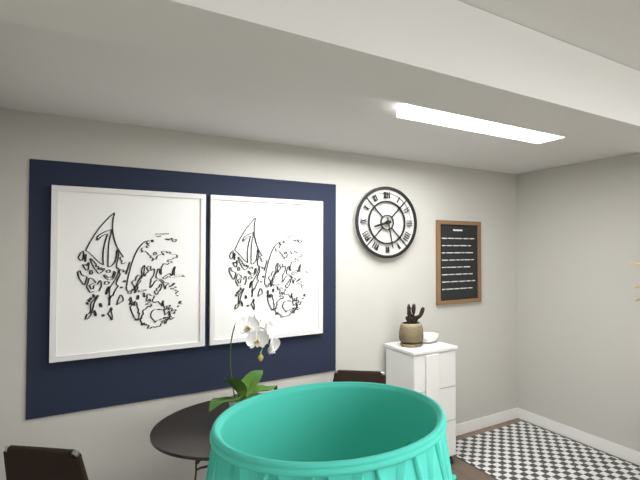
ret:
8:28
